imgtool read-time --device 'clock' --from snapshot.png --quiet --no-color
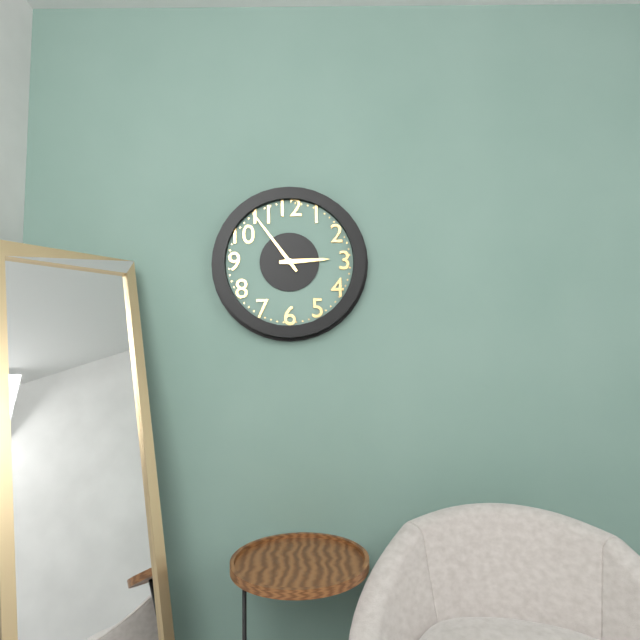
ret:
2:54
